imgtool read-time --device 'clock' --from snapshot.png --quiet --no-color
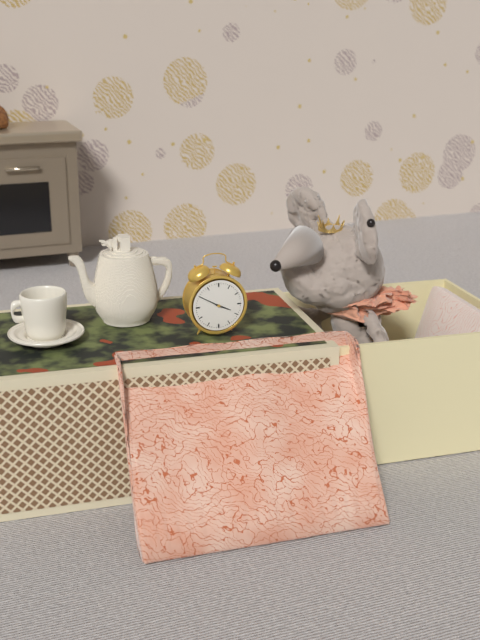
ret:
3:50
